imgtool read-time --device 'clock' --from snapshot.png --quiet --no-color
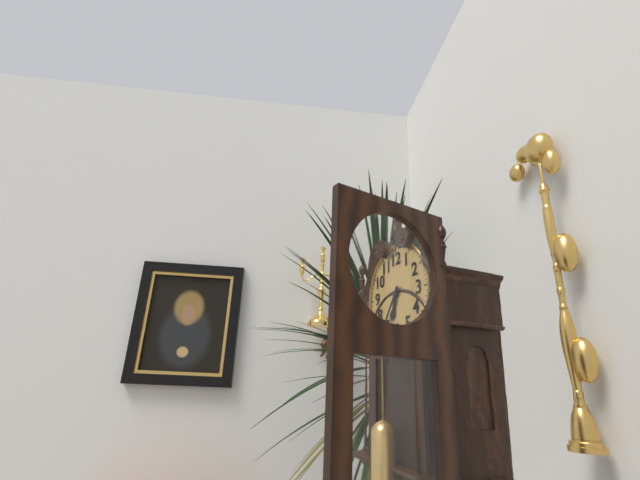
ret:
6:36
